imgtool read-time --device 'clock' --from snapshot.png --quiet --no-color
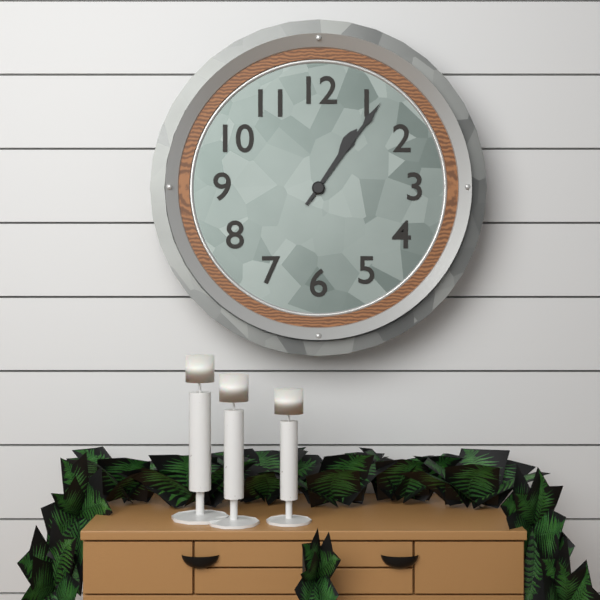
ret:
1:06
